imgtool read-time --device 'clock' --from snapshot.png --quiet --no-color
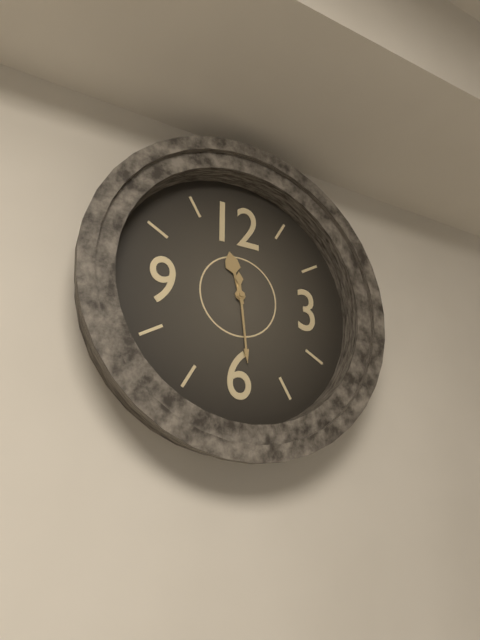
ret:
11:29
